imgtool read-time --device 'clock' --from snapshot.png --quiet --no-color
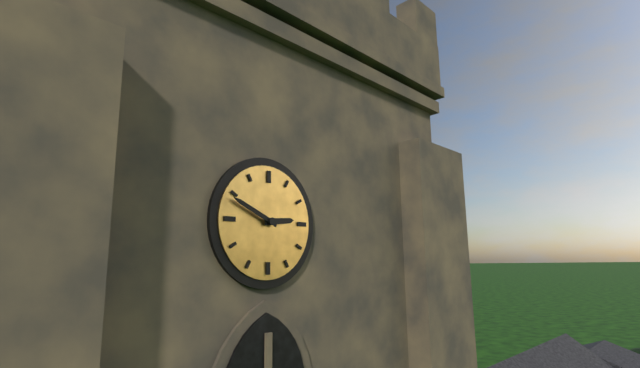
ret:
2:49
